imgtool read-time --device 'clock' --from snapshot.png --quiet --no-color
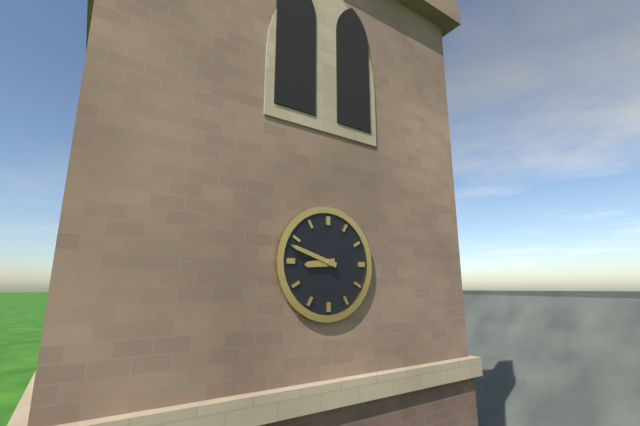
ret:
8:48
